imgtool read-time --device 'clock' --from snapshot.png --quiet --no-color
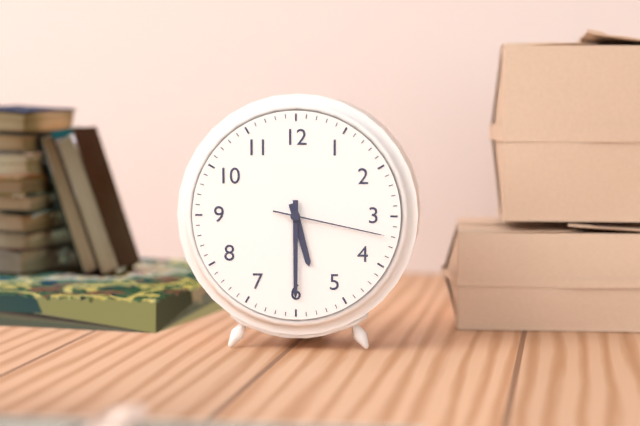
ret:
5:30:17
